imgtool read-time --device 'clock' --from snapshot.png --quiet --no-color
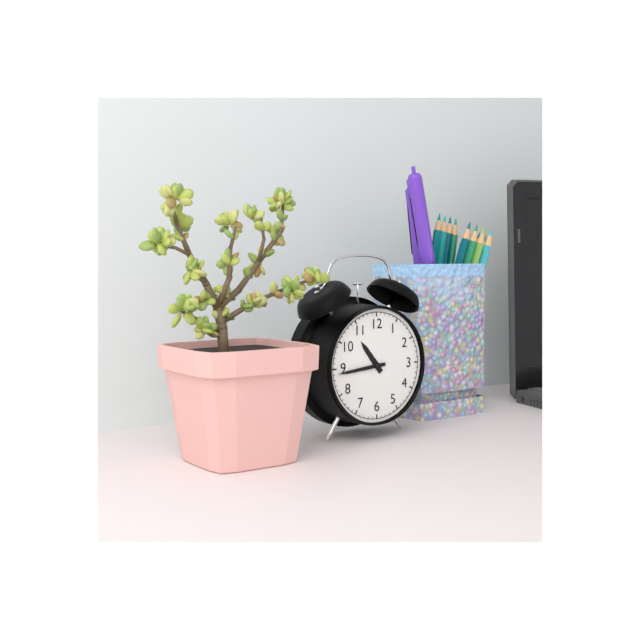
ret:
10:44
